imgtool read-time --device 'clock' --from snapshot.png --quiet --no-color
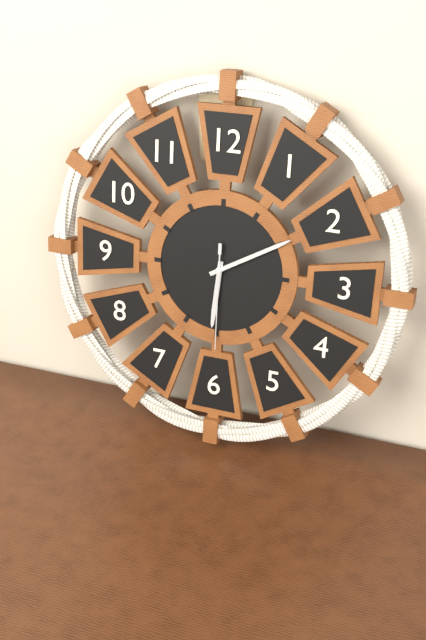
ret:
6:10:30
